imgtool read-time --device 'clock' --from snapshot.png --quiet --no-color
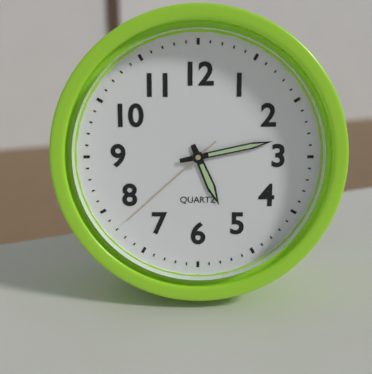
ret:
5:13:38
